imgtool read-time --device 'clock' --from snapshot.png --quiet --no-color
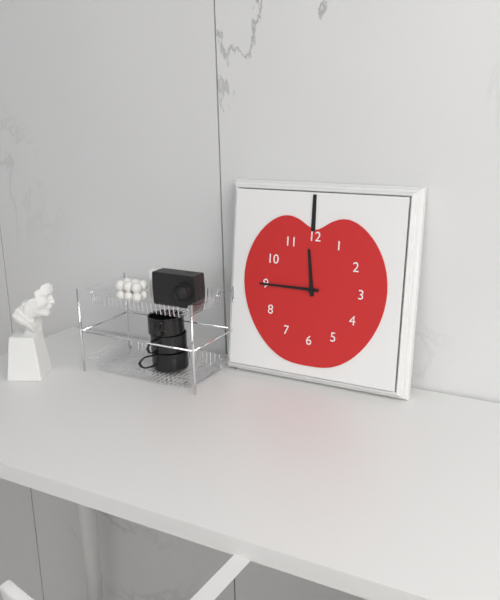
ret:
11:45
